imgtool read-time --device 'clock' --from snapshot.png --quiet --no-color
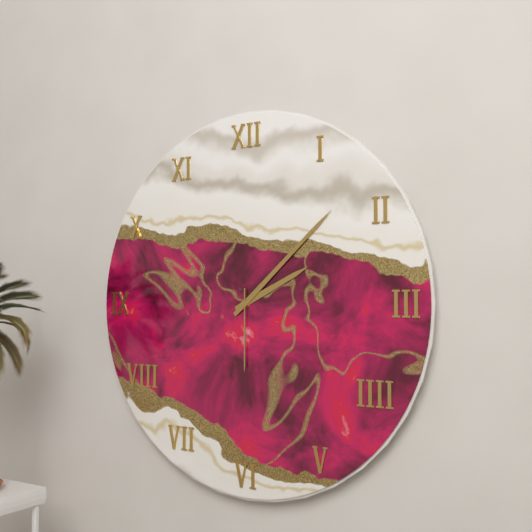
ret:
2:08:30
